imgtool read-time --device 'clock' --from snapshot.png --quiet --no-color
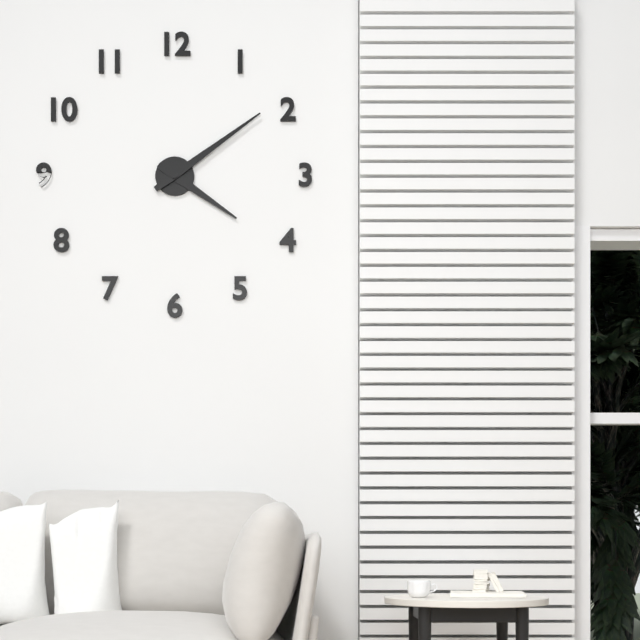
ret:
4:09
